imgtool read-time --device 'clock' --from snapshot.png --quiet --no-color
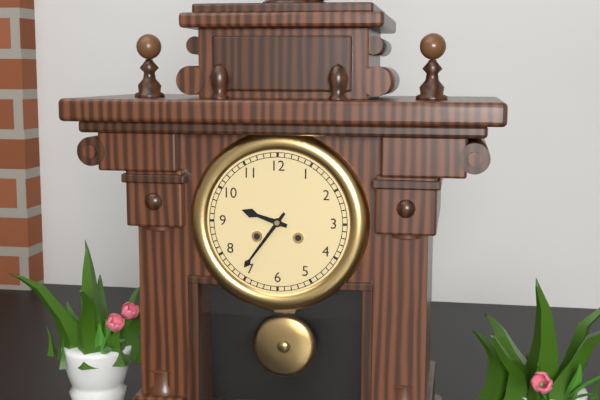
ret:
9:36
